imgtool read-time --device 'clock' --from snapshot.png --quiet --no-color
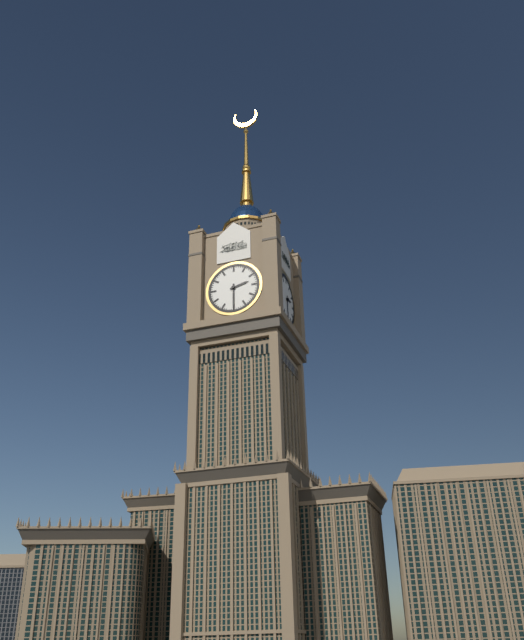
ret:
2:30
